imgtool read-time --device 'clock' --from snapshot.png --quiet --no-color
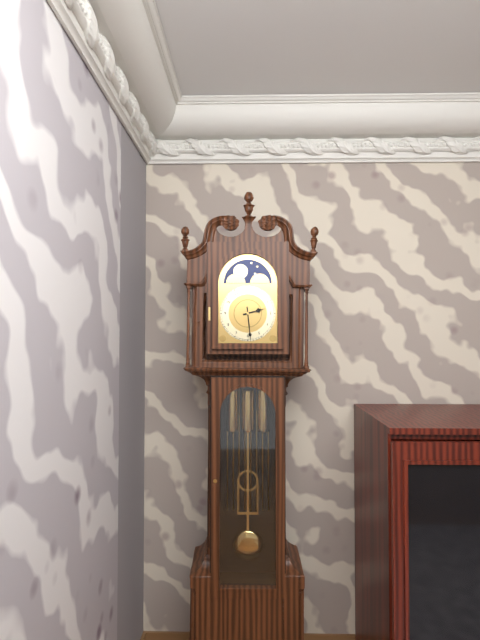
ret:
2:29
